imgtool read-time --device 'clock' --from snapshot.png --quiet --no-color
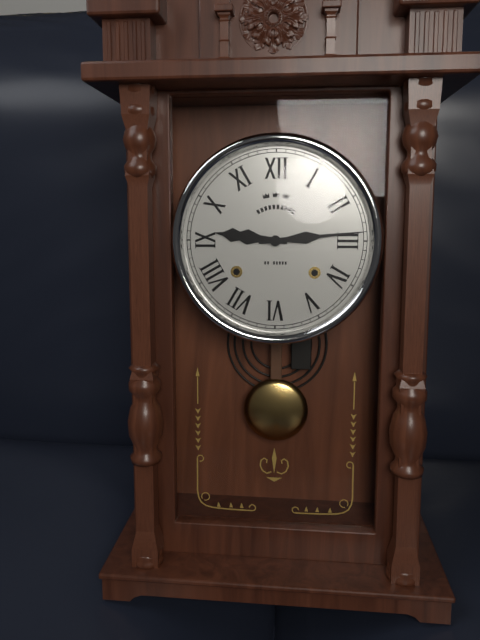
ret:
9:14
